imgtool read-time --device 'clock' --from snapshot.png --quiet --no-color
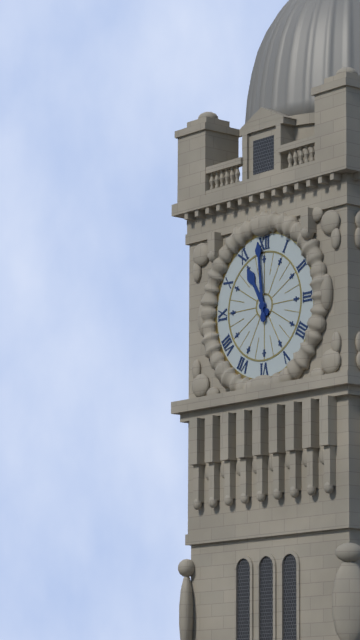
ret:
10:59
